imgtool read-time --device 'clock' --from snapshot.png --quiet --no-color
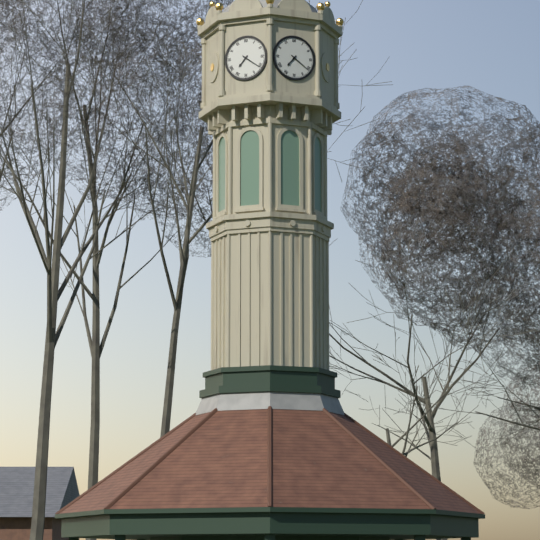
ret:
7:21
